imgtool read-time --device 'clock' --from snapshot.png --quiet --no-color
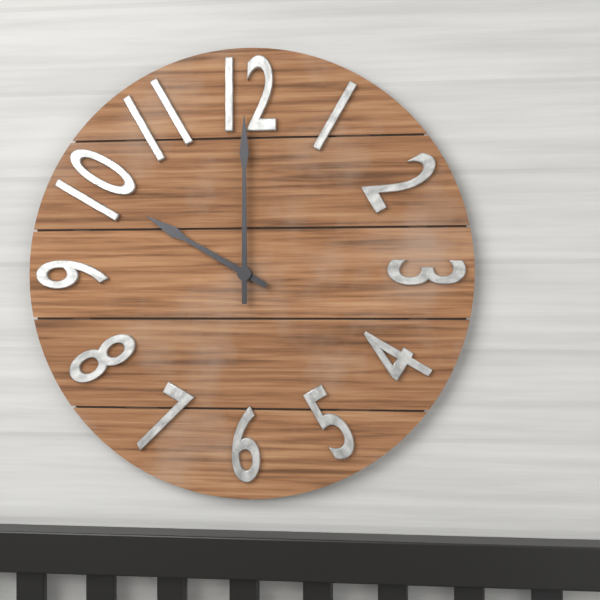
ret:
10:00
